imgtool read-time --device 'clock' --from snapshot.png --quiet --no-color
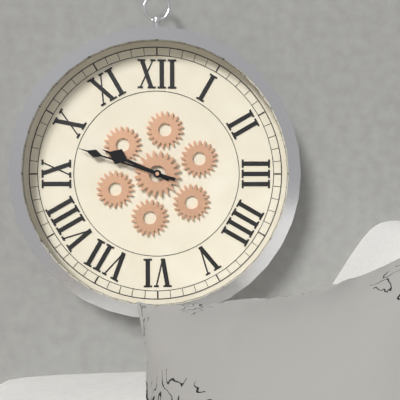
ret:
9:48
